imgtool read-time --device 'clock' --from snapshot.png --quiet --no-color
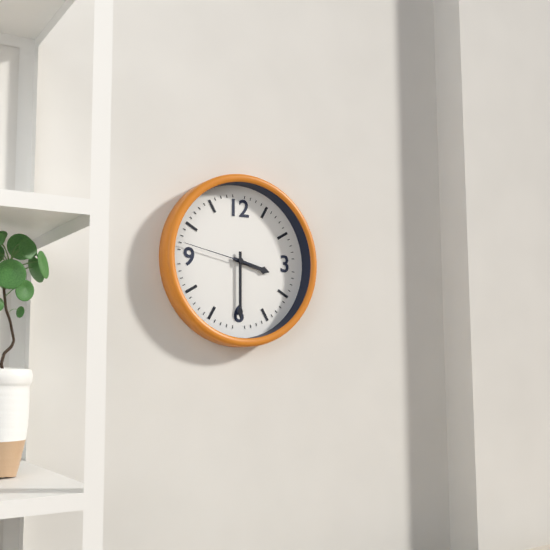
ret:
3:30:47
